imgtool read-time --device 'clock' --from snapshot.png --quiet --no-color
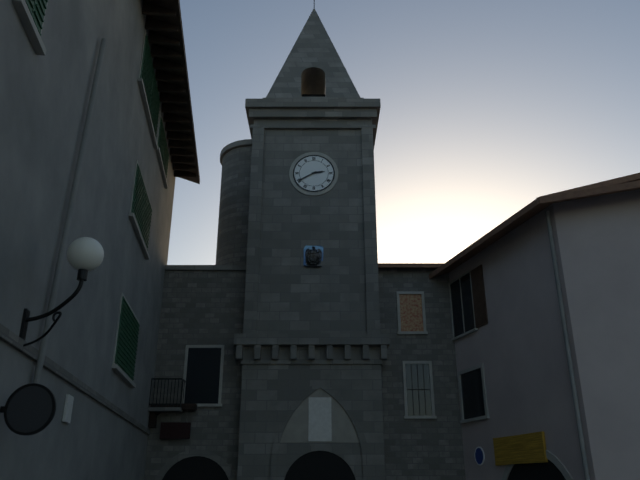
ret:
2:40
